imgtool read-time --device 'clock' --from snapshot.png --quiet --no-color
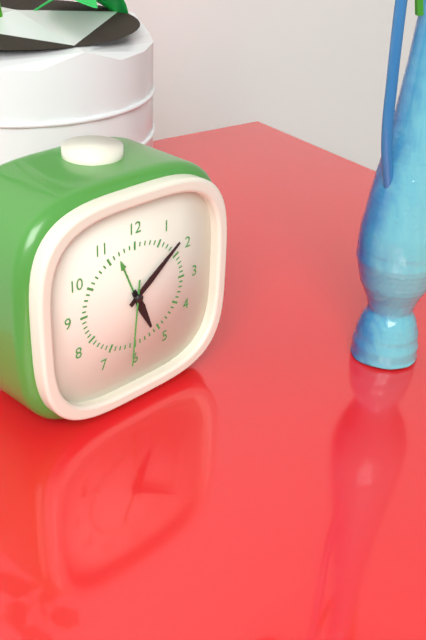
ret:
5:09:31
